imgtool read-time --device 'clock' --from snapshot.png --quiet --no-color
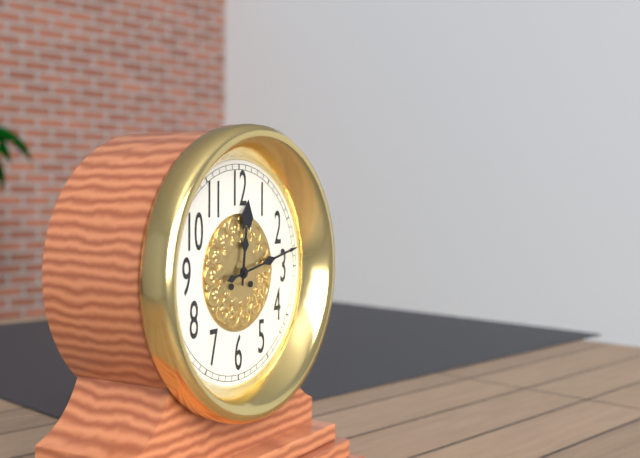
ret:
12:13
